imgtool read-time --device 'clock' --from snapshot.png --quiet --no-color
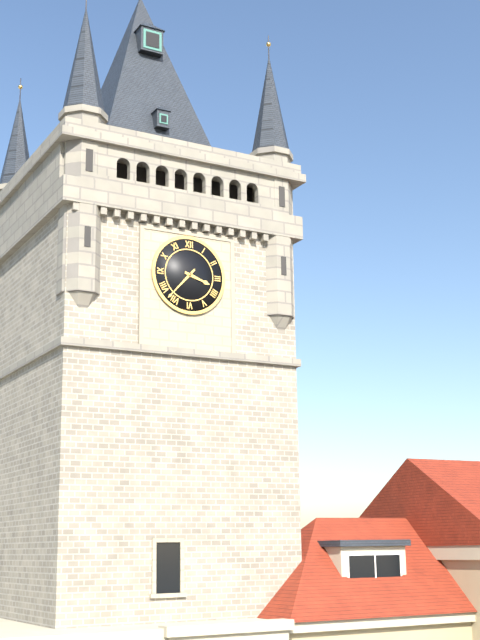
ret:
3:37
